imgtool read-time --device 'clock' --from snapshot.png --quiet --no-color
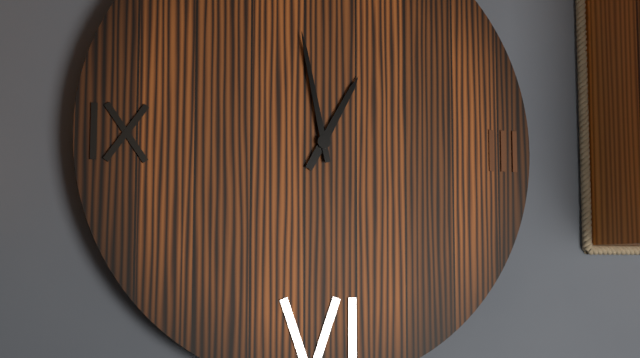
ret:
12:58
